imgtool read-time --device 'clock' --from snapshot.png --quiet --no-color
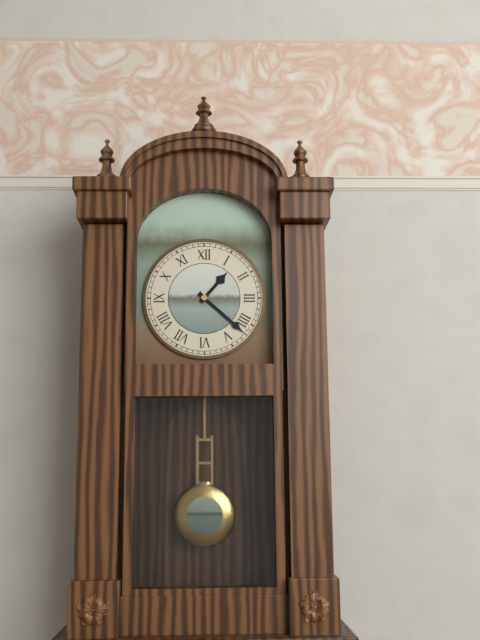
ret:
1:22
